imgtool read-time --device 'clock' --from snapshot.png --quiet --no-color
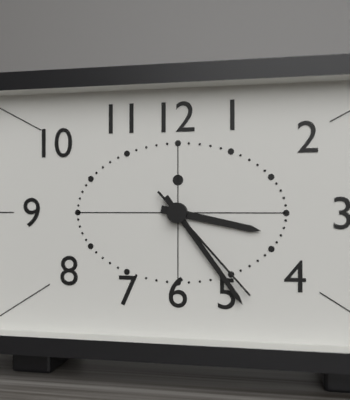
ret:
3:24:23
